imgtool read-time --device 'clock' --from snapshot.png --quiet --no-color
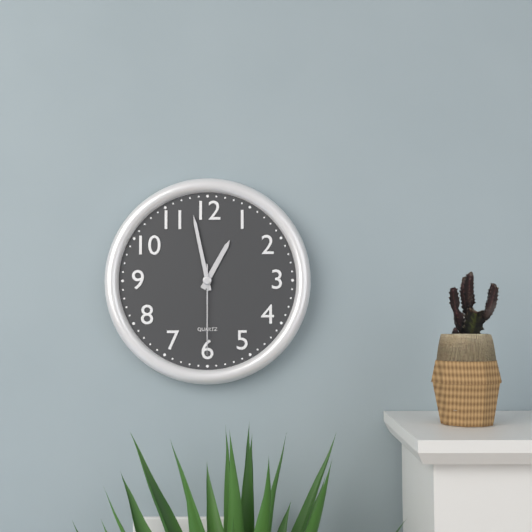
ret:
12:58:30
